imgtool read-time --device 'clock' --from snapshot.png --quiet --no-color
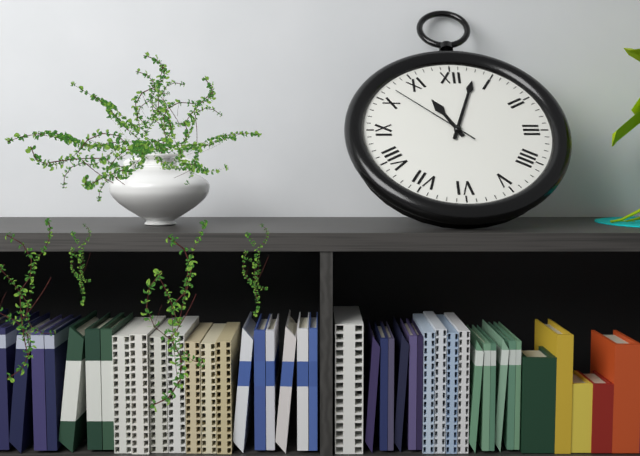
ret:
11:03:52
